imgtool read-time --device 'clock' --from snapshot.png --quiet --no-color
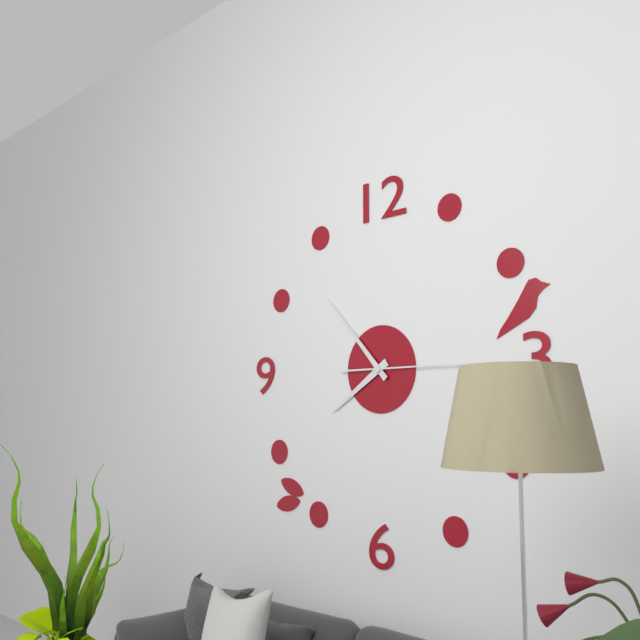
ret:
7:53:15
